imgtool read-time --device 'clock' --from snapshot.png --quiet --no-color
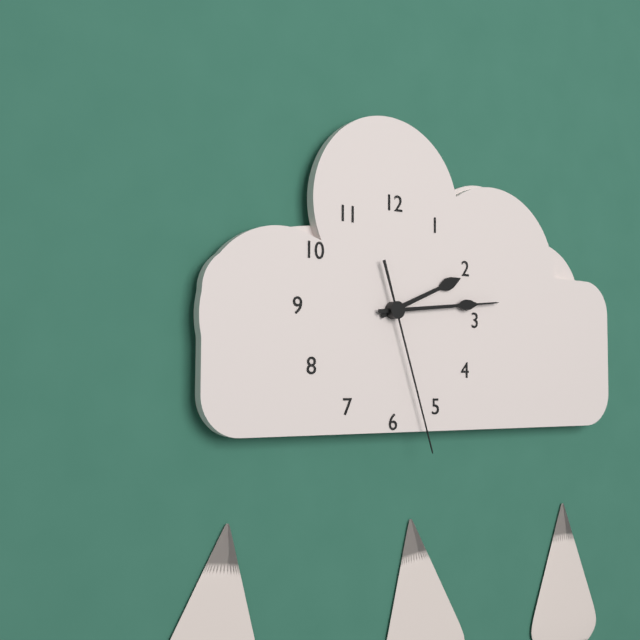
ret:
2:14:27
